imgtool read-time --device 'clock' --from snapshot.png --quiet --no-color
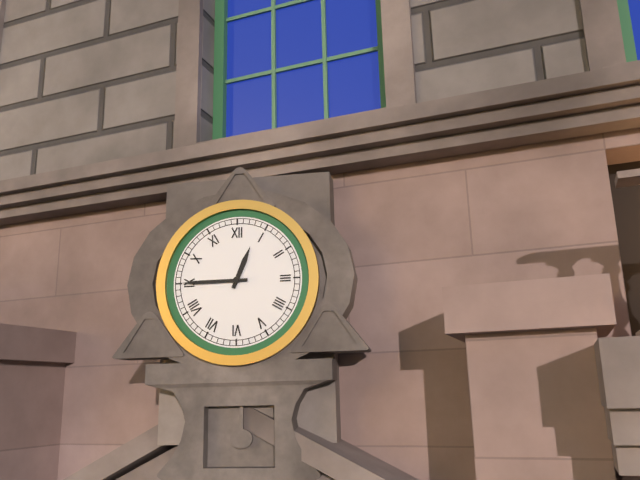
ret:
12:45
